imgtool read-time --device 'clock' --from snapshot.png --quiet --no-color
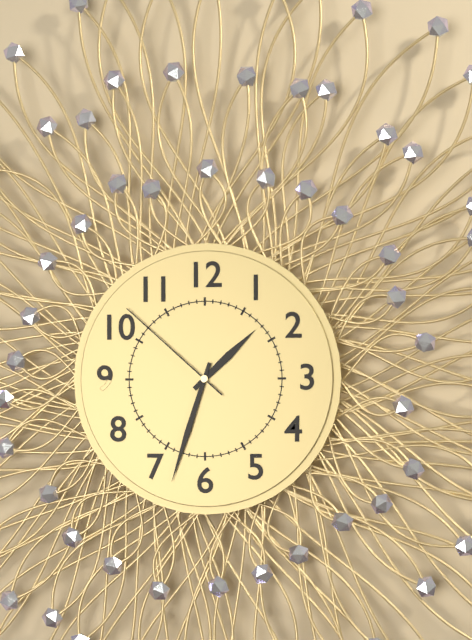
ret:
1:33:52
